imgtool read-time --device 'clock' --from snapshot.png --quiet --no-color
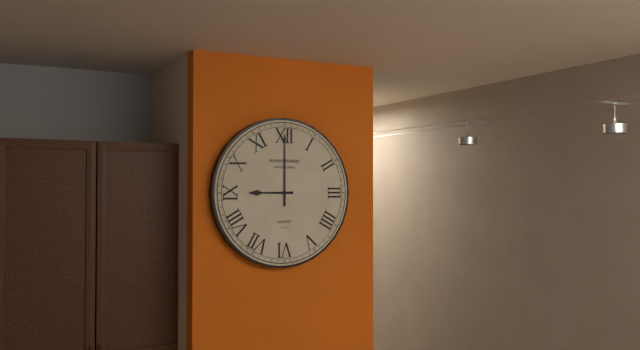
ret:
9:00
